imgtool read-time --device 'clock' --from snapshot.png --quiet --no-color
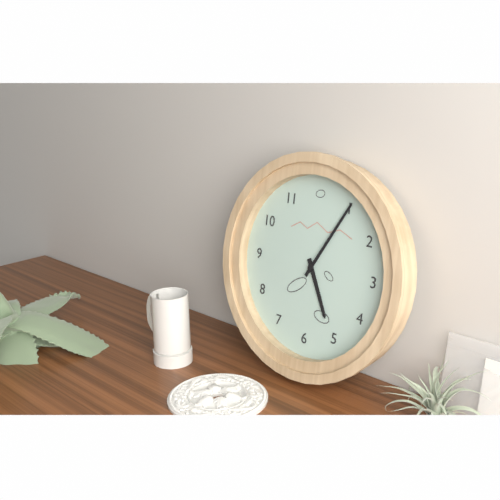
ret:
5:05
